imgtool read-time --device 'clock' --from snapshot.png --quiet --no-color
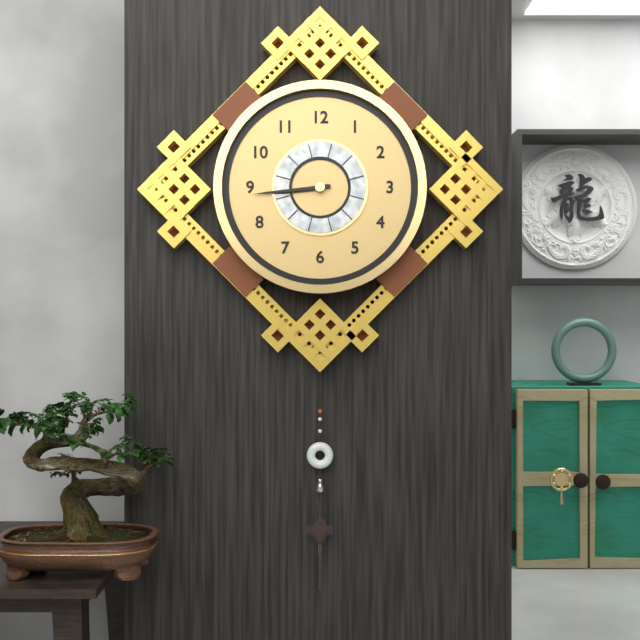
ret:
8:44
